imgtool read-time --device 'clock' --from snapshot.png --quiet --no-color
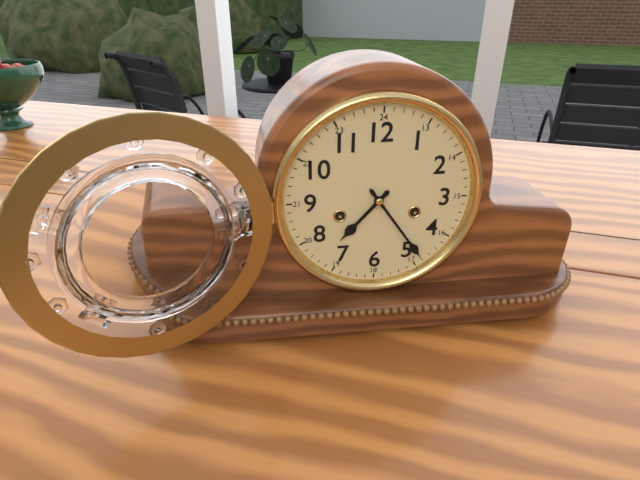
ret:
7:24
